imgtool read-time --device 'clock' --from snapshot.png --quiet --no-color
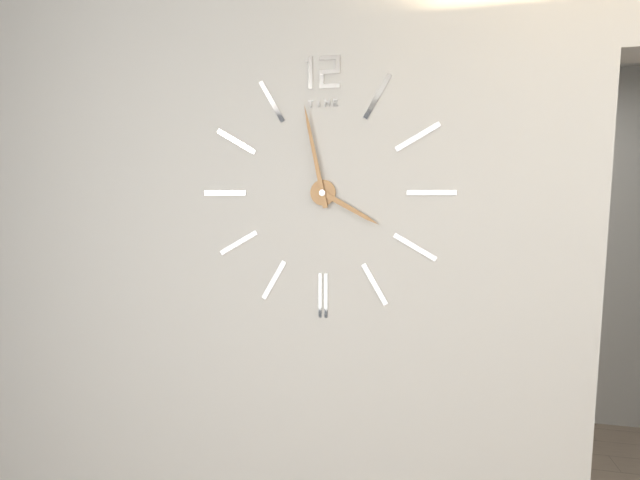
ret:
3:58
